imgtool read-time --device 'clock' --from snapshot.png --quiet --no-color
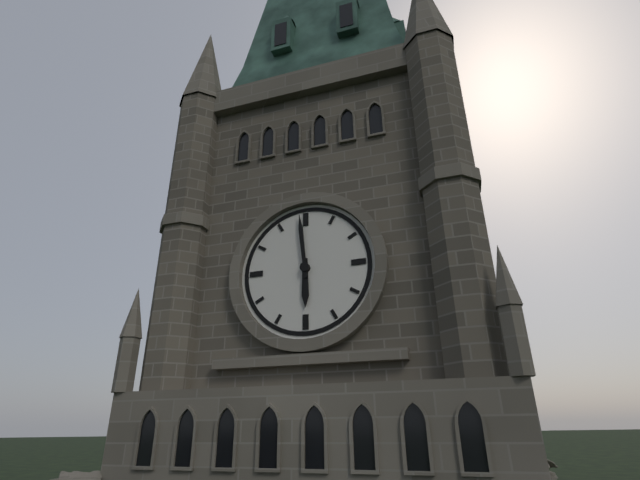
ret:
5:59
